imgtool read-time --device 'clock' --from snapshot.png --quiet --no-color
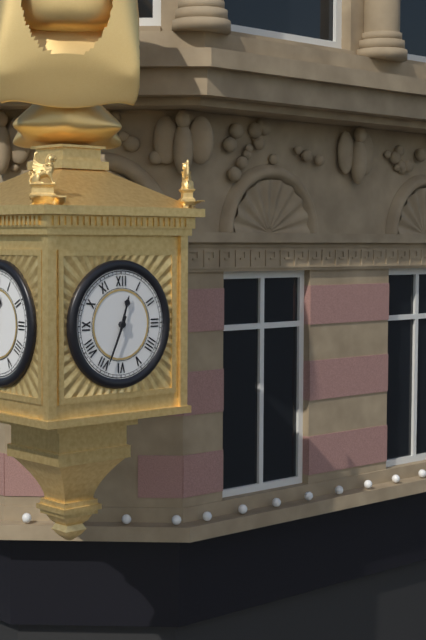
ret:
12:34
